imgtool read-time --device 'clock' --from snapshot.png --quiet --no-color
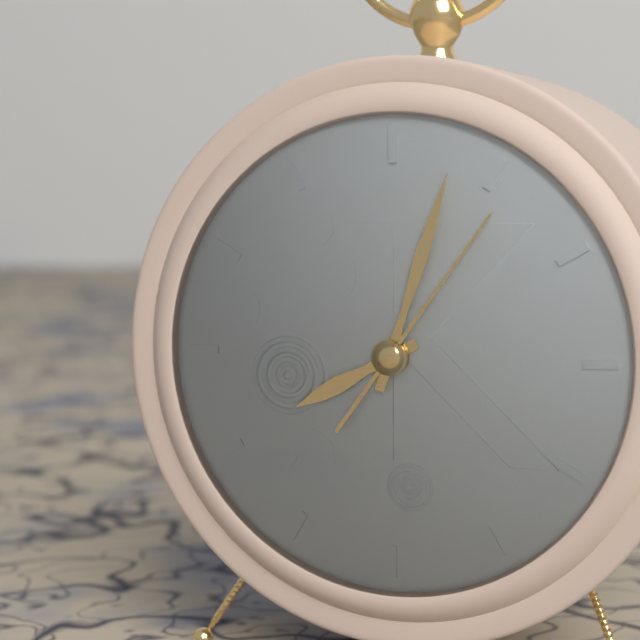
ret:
8:03:06
